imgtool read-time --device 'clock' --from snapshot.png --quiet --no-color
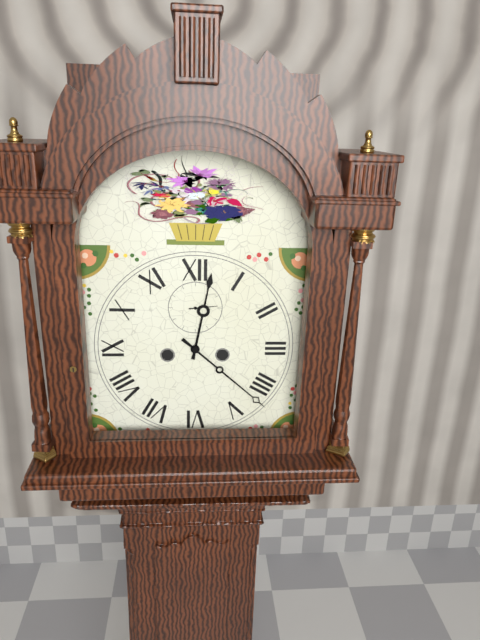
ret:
12:22
